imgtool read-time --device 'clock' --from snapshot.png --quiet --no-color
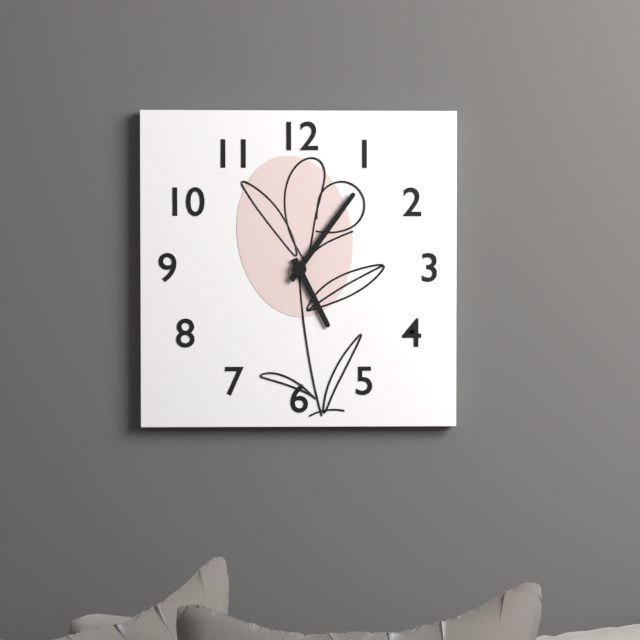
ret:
5:06
